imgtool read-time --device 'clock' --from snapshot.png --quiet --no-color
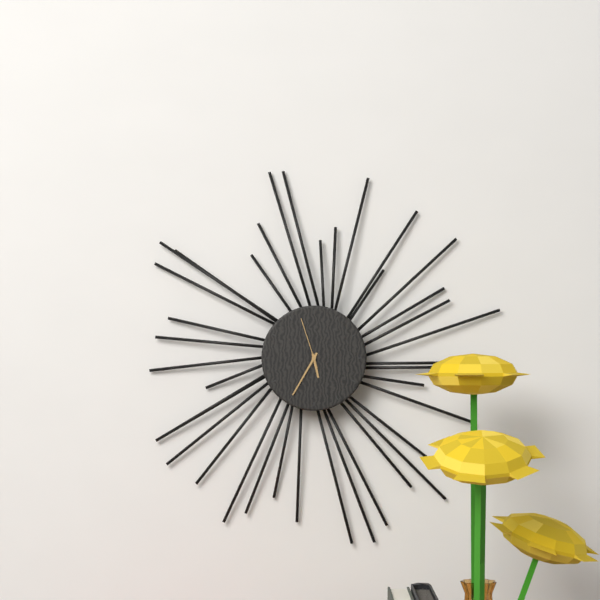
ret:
5:35:57
